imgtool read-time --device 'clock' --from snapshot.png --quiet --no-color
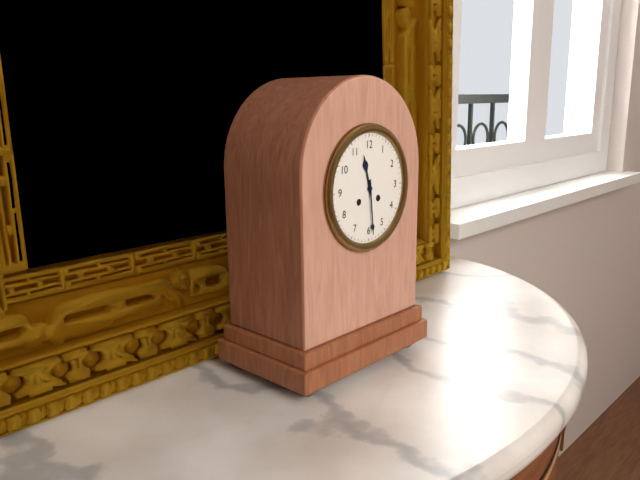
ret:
11:29
